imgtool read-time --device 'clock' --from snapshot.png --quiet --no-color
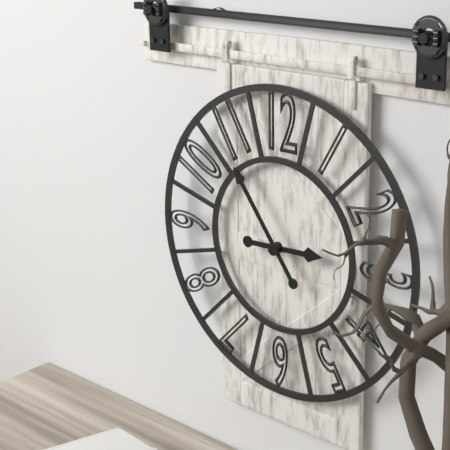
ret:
2:54
